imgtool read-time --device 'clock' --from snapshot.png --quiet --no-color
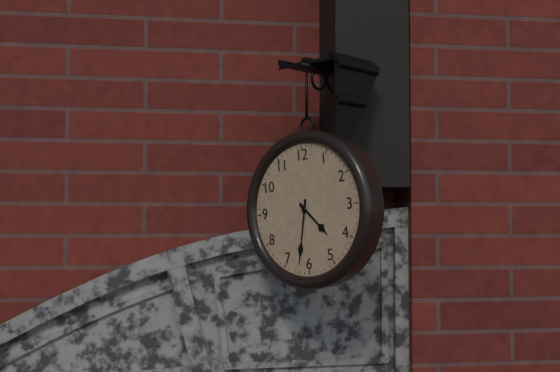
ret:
4:32
